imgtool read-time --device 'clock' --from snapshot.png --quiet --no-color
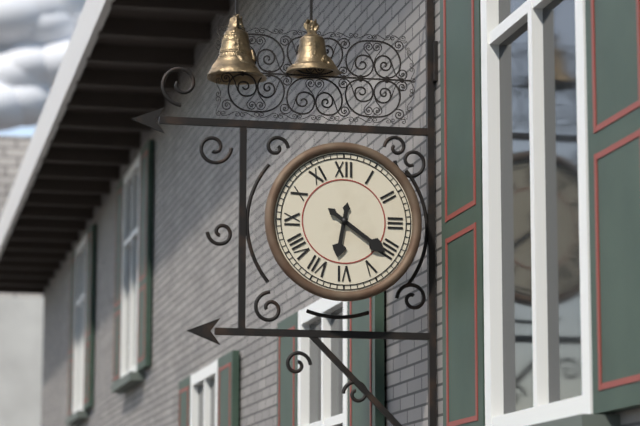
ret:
6:21
